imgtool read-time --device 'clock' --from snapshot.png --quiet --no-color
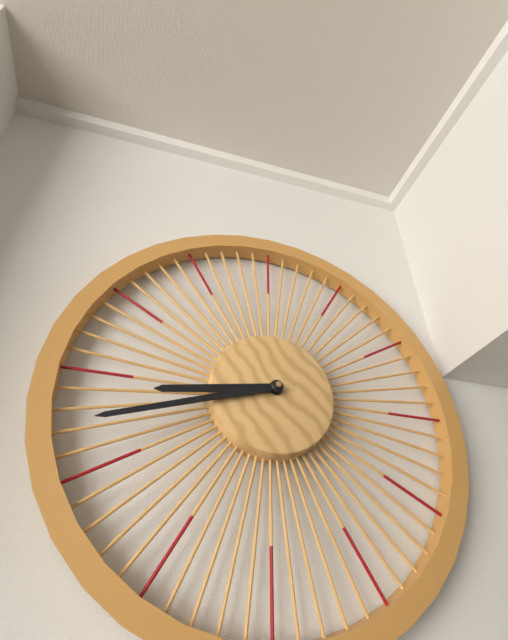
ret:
8:42
